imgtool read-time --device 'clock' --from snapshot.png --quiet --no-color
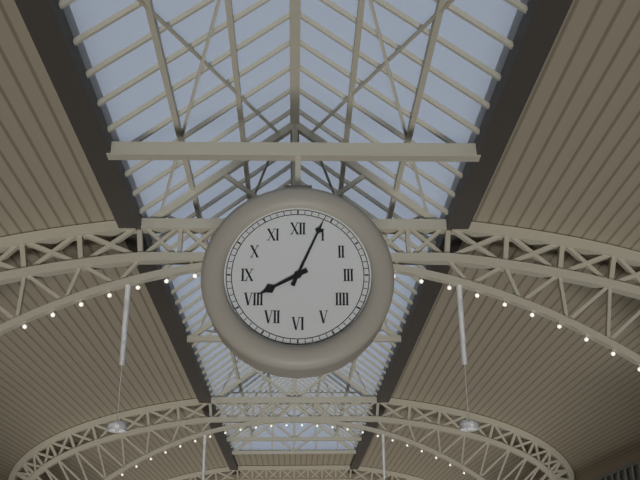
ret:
8:04
